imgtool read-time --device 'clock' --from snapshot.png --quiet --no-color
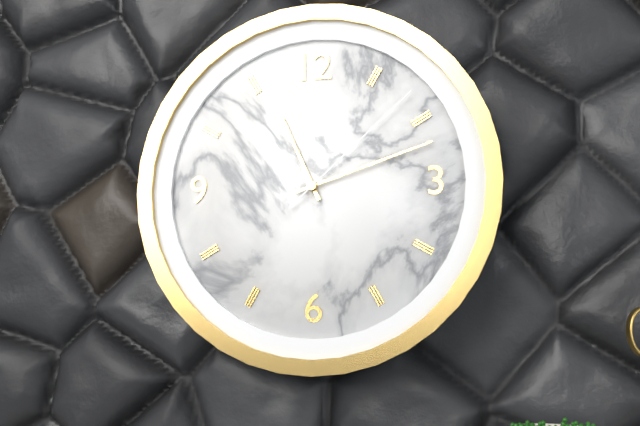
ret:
11:12:08
